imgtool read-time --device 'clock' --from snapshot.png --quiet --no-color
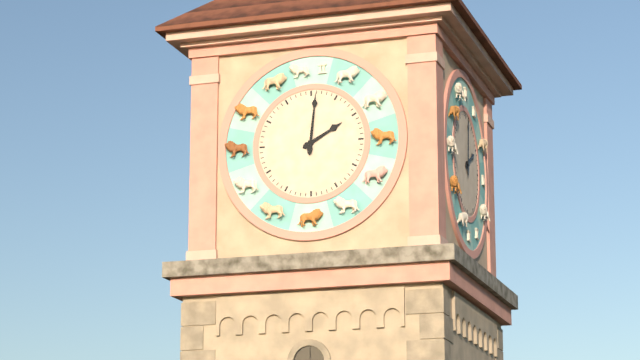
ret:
2:01
